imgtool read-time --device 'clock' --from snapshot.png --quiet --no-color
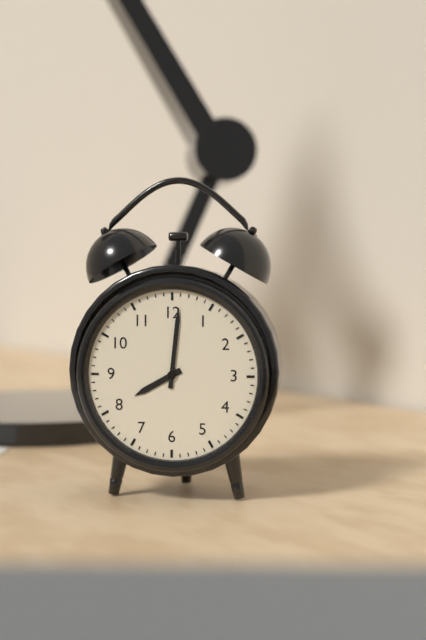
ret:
8:01
